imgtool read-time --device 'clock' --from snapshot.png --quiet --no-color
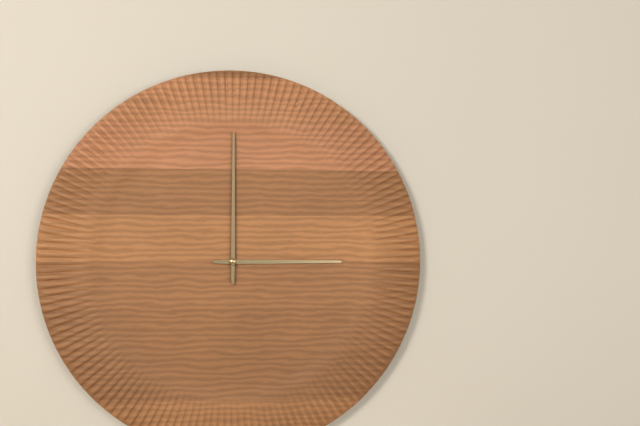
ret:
3:00
